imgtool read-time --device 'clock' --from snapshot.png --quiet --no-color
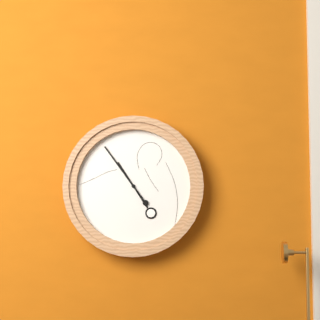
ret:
10:54
